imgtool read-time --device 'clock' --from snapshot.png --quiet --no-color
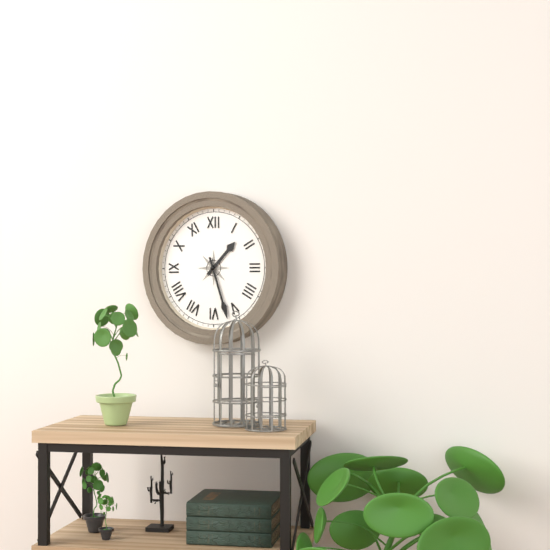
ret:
1:27
